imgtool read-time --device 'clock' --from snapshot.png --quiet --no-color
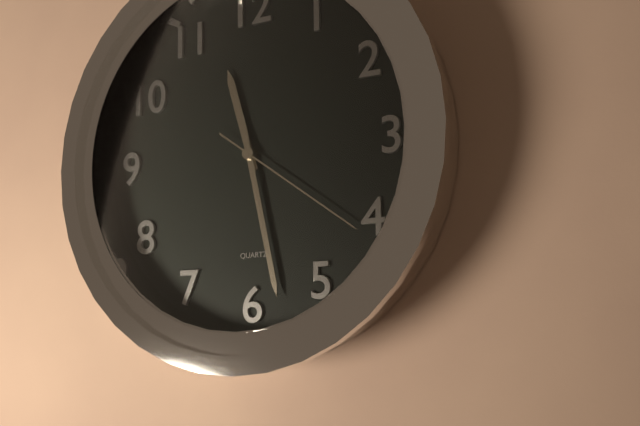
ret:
11:28:21
